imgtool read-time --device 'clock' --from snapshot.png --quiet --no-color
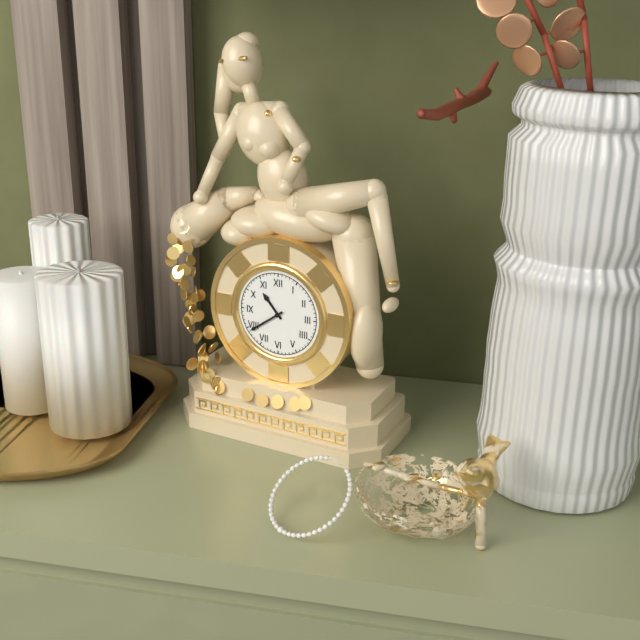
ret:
10:39
